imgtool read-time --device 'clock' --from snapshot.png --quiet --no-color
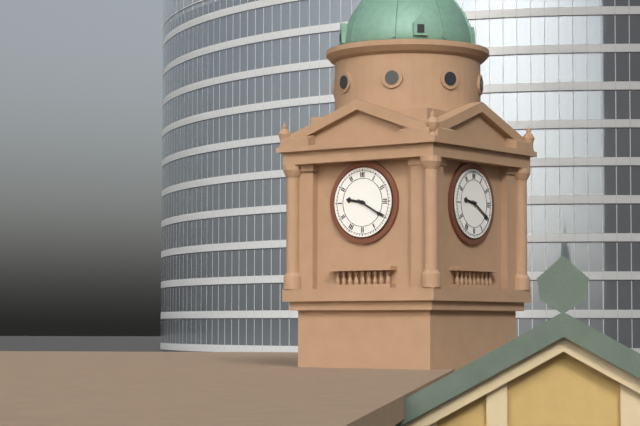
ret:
9:20
